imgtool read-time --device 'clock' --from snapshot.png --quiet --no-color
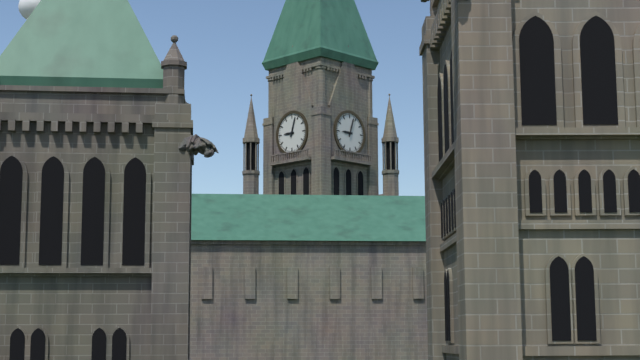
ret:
9:03
